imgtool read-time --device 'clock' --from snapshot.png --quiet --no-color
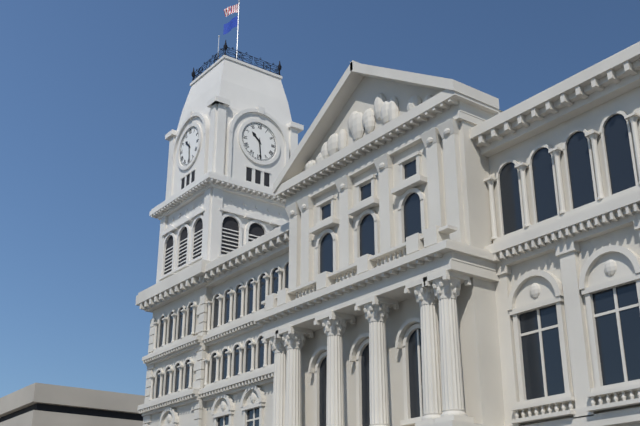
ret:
10:29
